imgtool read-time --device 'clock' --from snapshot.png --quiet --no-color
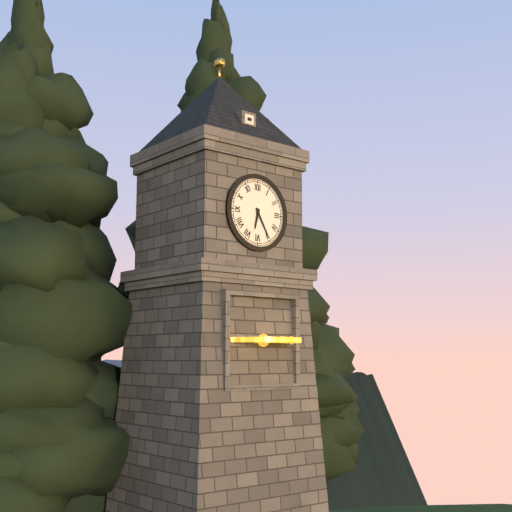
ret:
6:25
